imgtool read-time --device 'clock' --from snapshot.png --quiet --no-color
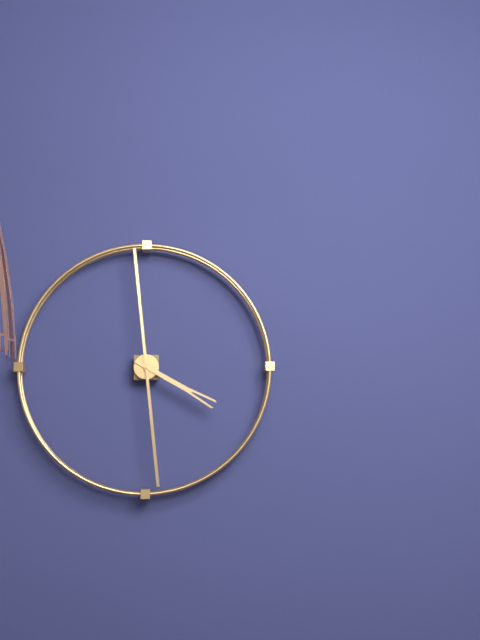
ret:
3:59
